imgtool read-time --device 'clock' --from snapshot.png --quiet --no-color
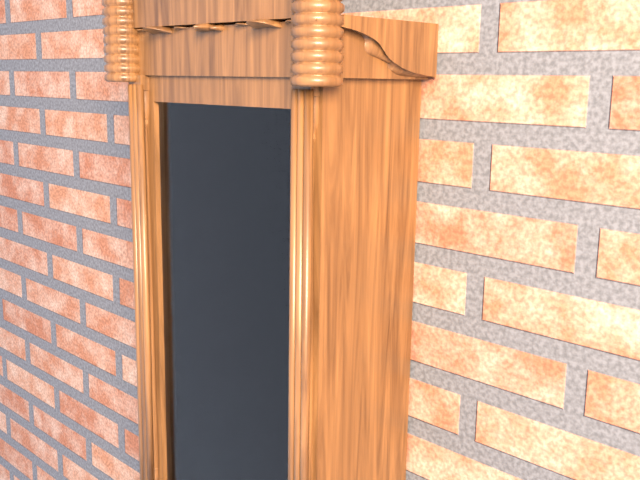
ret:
1:36
